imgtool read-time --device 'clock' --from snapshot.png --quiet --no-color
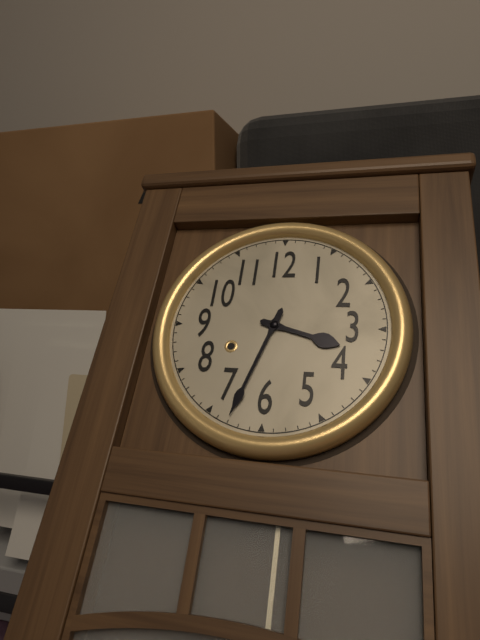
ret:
3:33
